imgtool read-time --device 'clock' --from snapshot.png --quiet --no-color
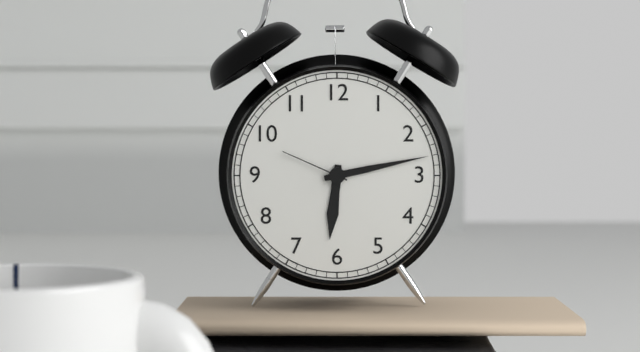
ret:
6:13:49
